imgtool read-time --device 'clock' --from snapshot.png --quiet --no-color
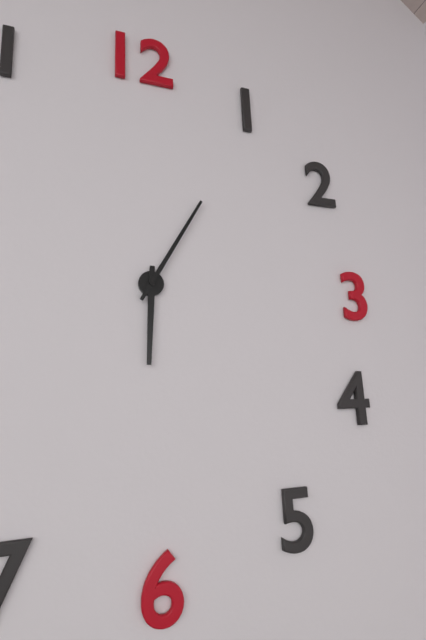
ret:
6:05
